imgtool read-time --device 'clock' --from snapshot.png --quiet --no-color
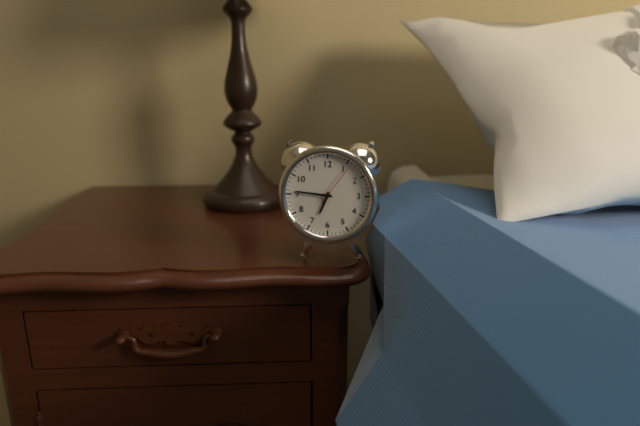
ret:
6:46
